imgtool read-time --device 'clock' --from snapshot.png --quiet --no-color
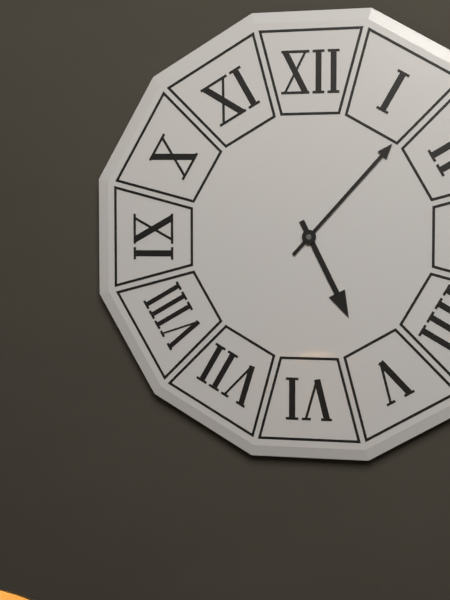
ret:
5:07
